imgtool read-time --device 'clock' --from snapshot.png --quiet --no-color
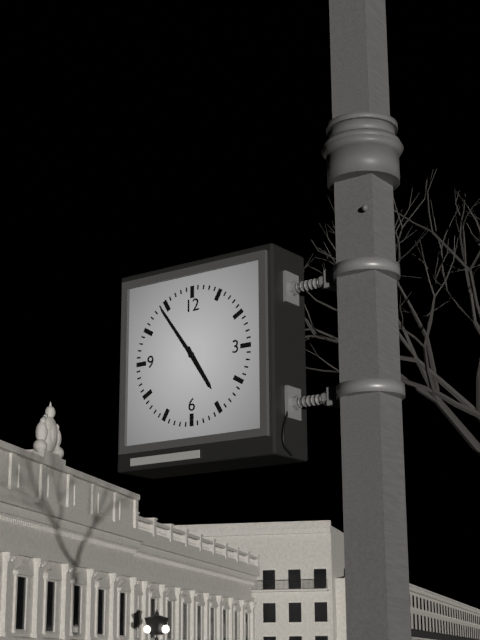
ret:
4:54
